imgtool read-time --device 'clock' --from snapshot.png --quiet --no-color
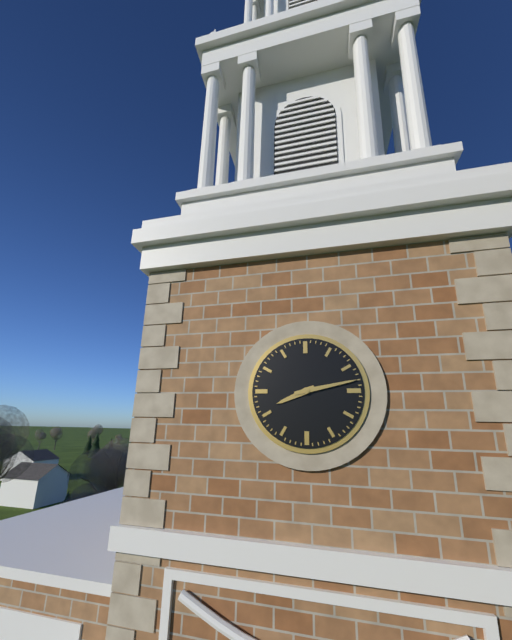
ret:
8:13
